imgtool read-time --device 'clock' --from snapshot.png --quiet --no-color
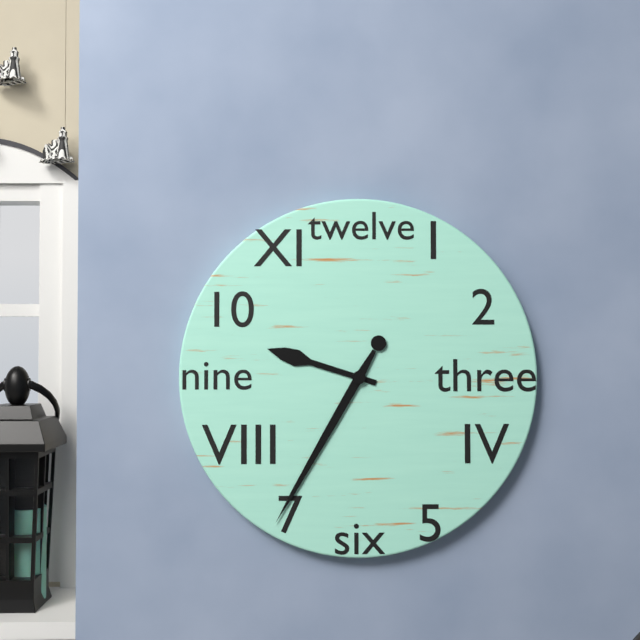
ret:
9:35
